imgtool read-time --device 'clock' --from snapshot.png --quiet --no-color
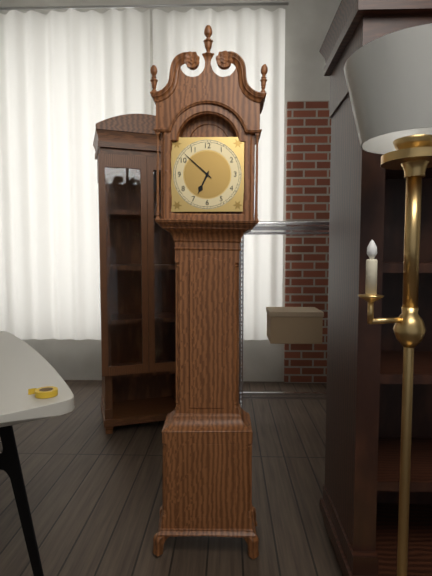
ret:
6:52
